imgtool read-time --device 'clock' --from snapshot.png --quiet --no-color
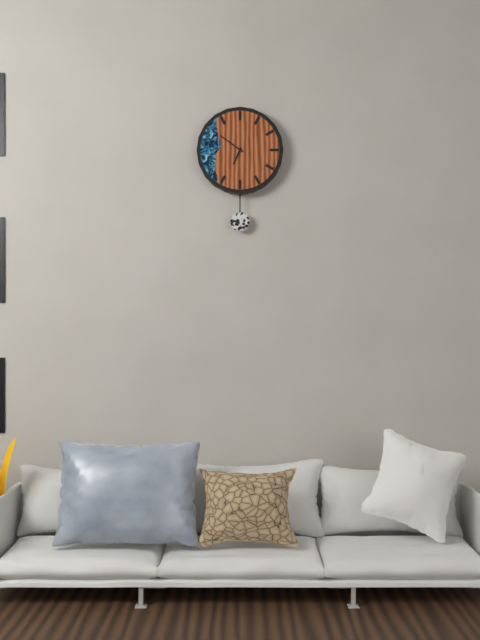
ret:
6:51
